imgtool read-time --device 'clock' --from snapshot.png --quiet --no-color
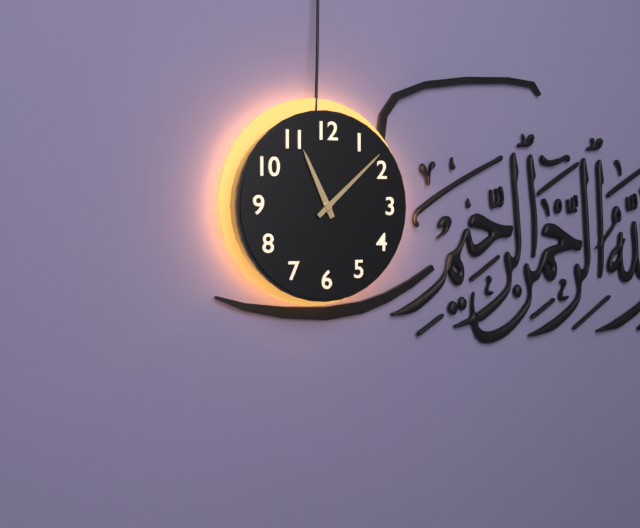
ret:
11:08
